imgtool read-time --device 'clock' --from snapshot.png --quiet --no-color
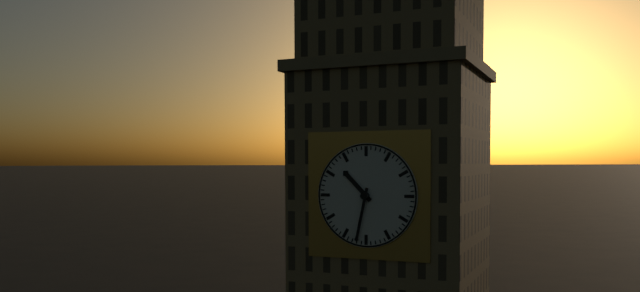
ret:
10:32
